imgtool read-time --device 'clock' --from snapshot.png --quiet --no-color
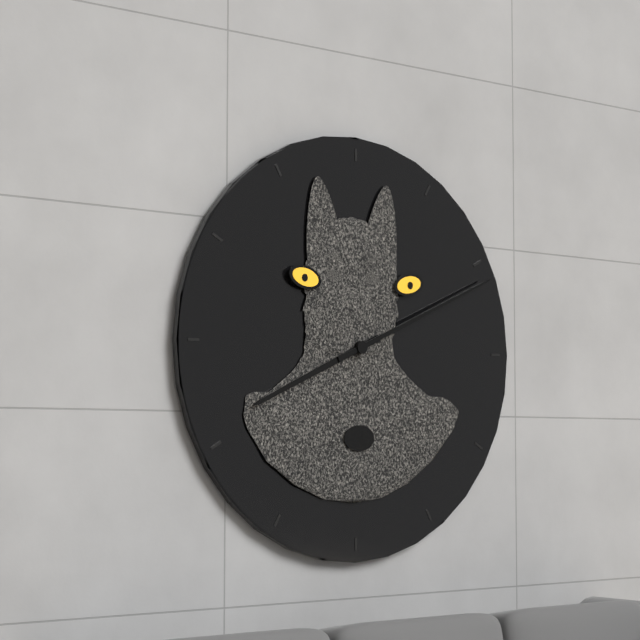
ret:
8:11
